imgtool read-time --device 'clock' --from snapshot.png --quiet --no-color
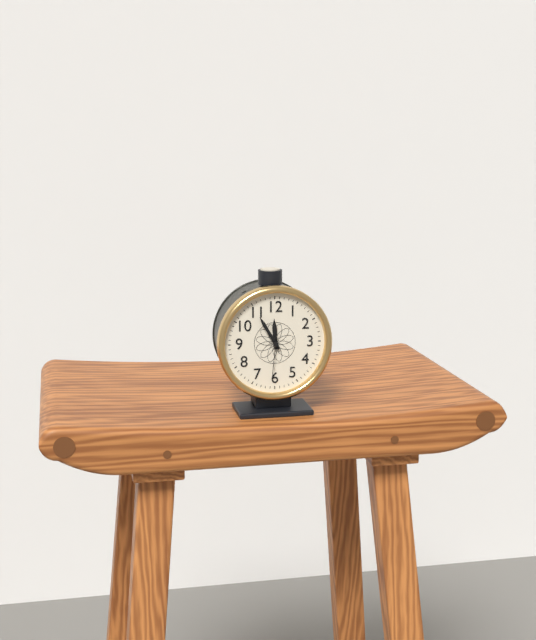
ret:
11:55
